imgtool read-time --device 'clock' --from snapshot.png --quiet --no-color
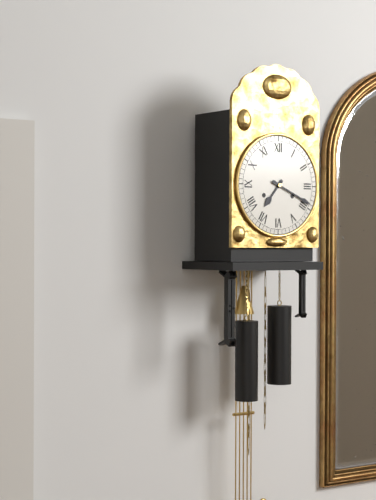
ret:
7:19
